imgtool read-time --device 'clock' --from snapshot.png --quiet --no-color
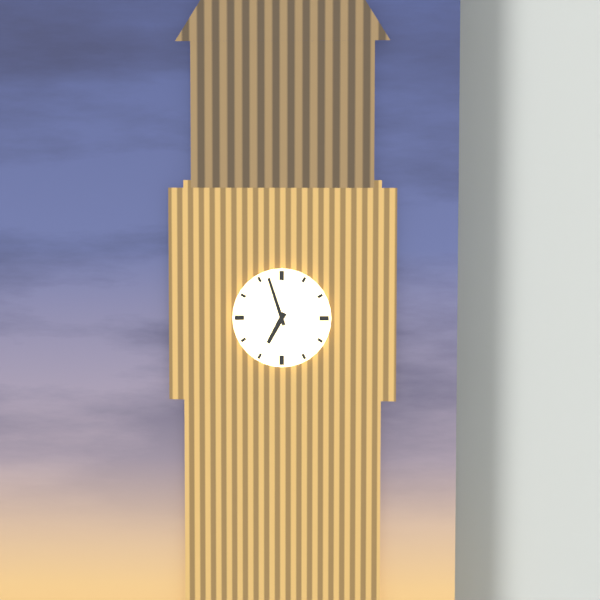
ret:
6:57
